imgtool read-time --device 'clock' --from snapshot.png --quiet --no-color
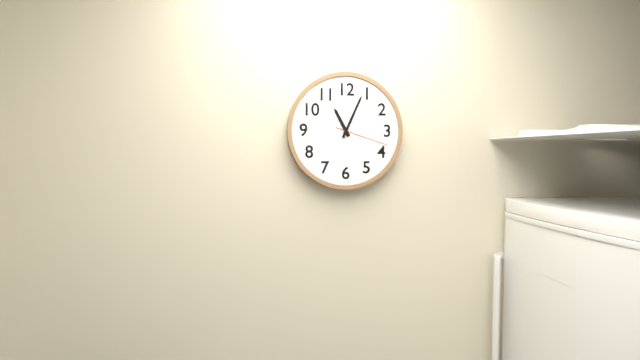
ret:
11:04:18
